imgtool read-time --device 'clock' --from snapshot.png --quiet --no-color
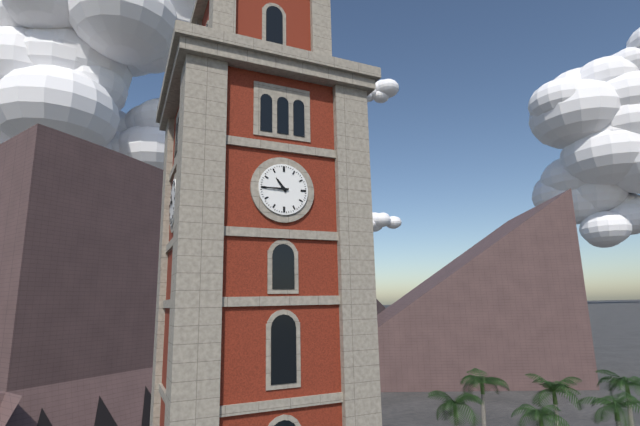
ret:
10:45
